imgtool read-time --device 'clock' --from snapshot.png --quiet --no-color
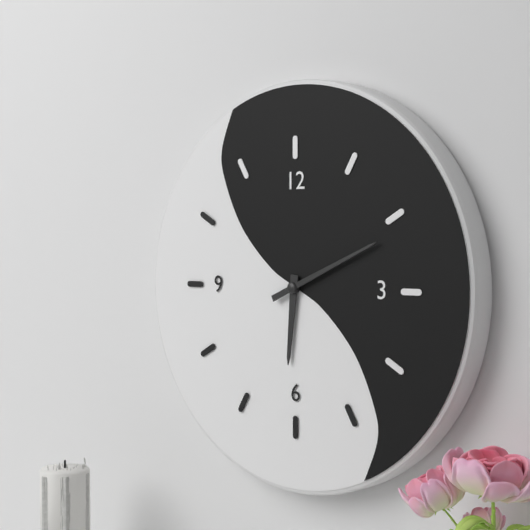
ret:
6:11
